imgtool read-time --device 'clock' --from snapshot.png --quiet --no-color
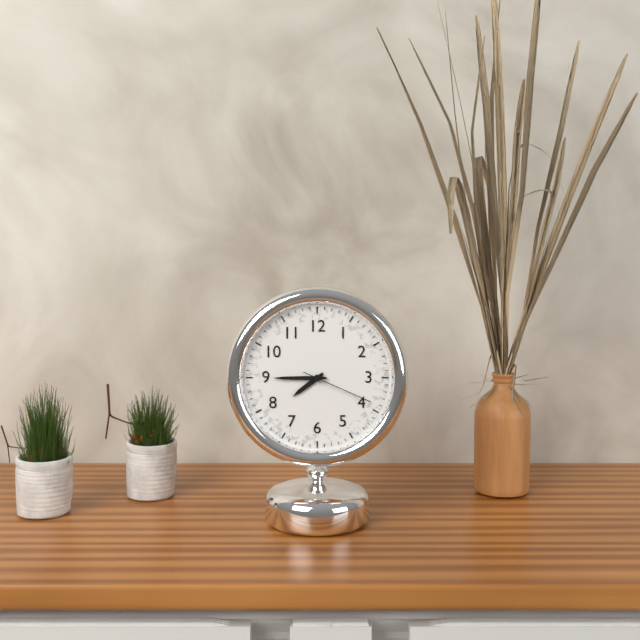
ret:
7:45:19
